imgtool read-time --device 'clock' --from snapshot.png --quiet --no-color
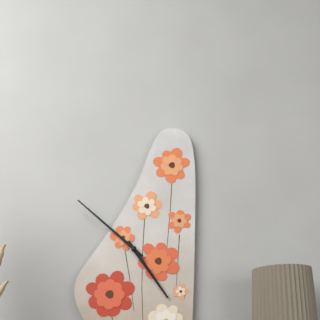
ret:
4:52
